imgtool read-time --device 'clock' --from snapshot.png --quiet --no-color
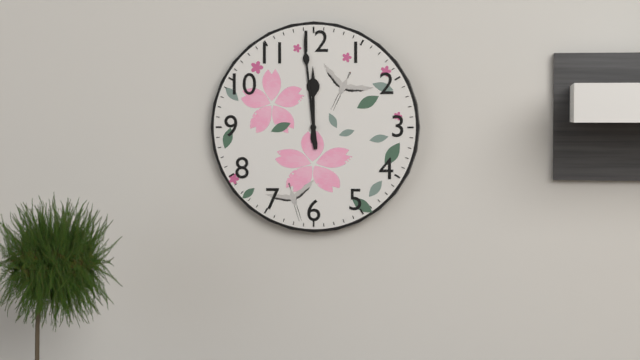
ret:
11:59
